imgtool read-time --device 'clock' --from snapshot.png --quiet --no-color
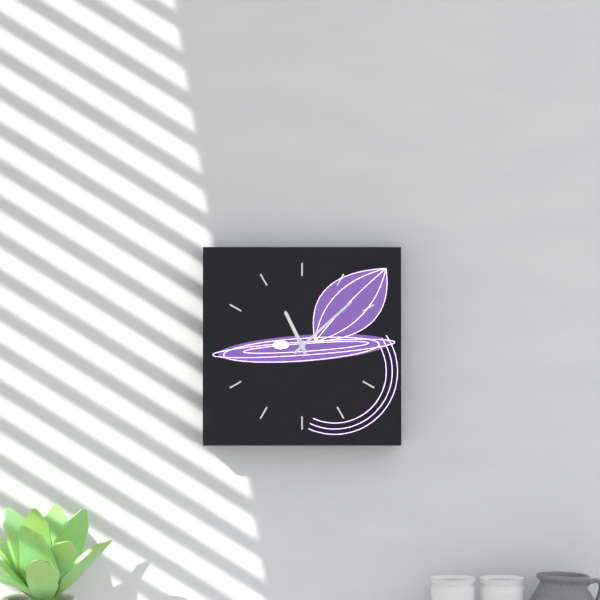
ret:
11:08
